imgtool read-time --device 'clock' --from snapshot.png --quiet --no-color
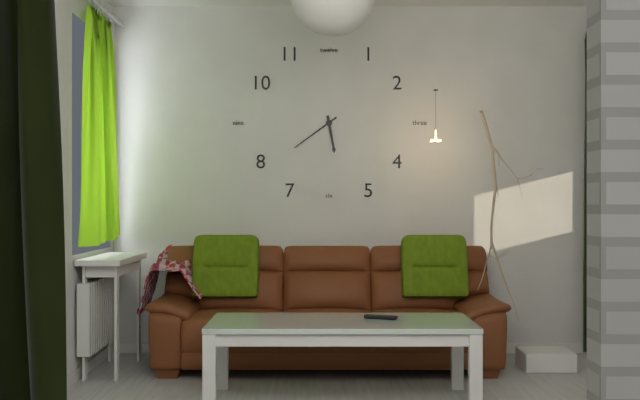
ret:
5:39
